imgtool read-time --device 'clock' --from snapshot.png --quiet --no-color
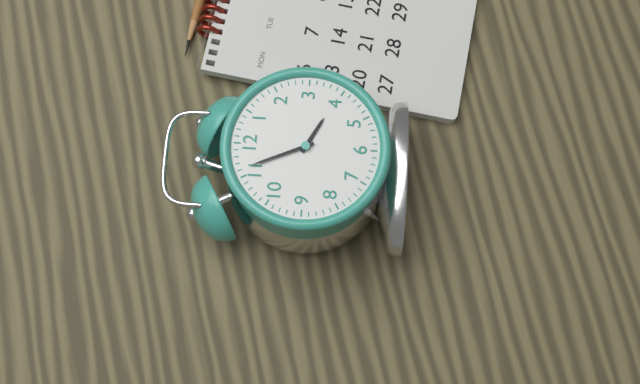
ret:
3:56
